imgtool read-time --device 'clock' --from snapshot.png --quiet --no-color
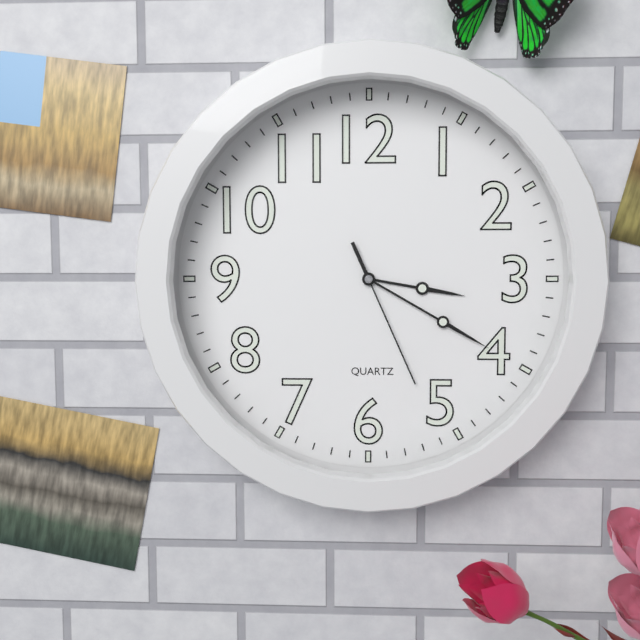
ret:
3:20:26
